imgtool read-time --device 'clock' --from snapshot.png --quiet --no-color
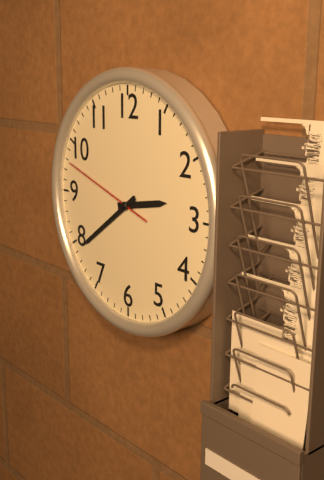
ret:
2:39:48
